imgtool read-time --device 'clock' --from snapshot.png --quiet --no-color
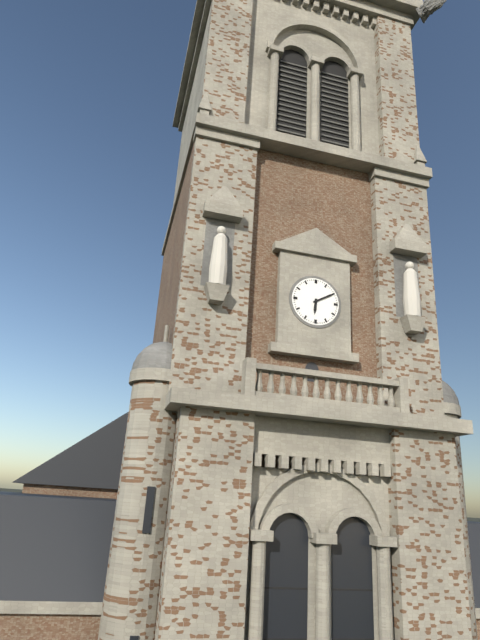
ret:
6:10
